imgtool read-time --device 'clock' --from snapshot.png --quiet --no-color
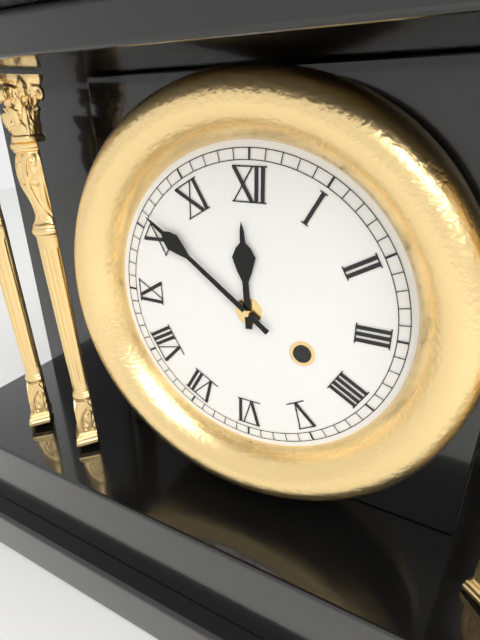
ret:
11:51
